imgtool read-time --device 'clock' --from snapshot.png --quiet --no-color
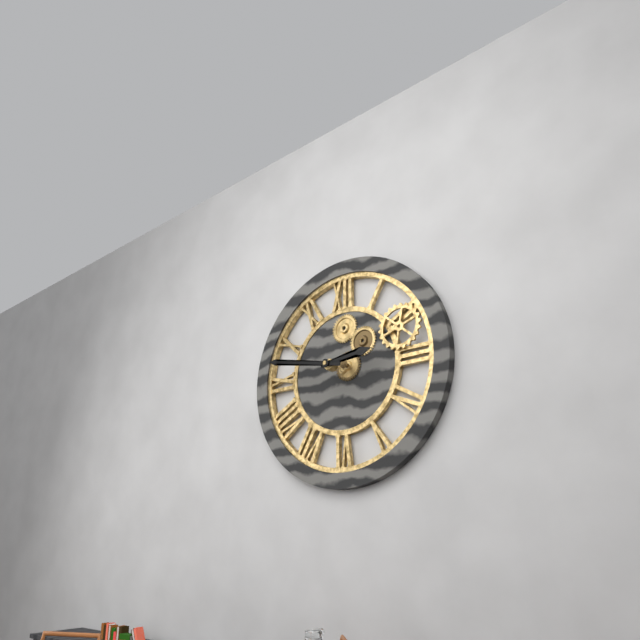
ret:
2:47
